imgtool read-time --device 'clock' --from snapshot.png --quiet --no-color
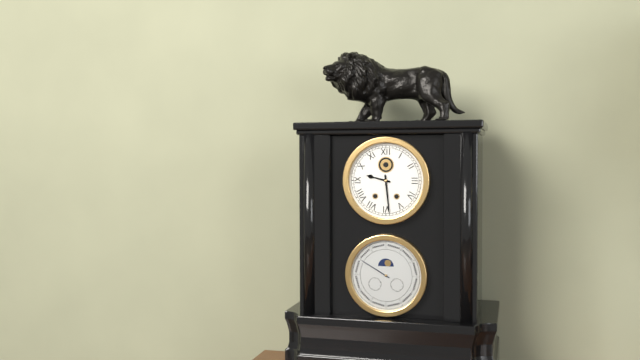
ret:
9:29
